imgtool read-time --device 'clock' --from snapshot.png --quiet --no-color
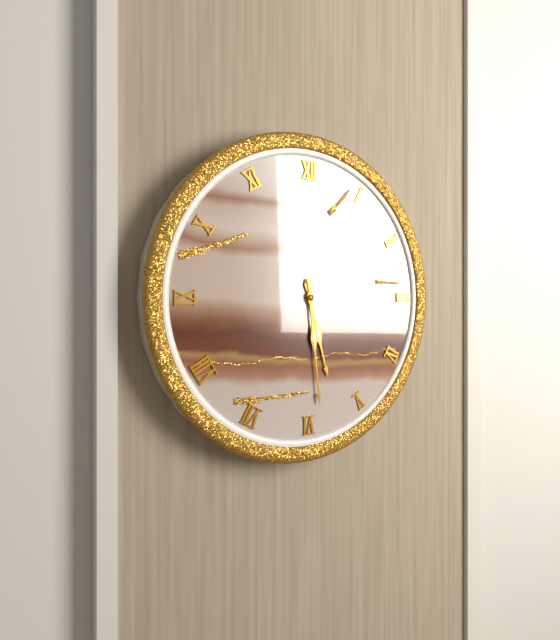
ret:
5:29
